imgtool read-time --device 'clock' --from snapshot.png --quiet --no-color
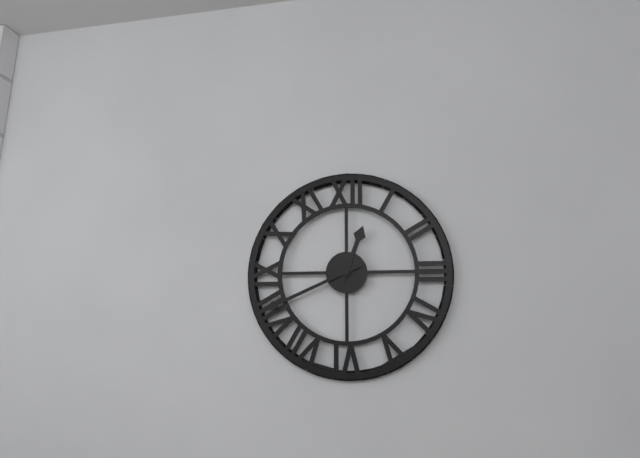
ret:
12:41
